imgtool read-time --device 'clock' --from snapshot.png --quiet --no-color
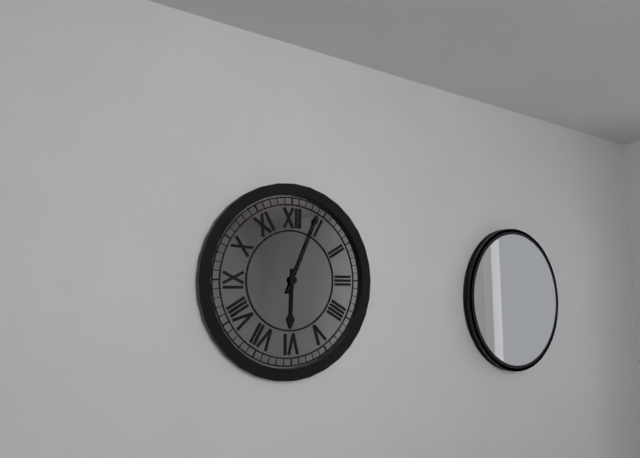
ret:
6:04
